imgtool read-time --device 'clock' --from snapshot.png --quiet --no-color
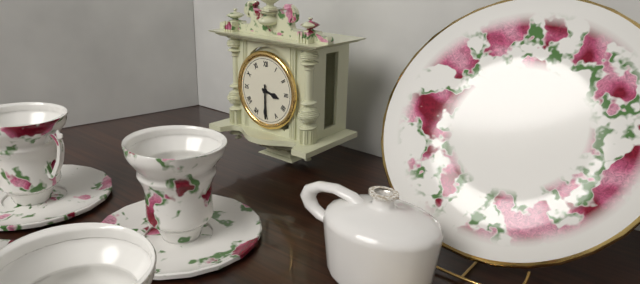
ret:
3:30
